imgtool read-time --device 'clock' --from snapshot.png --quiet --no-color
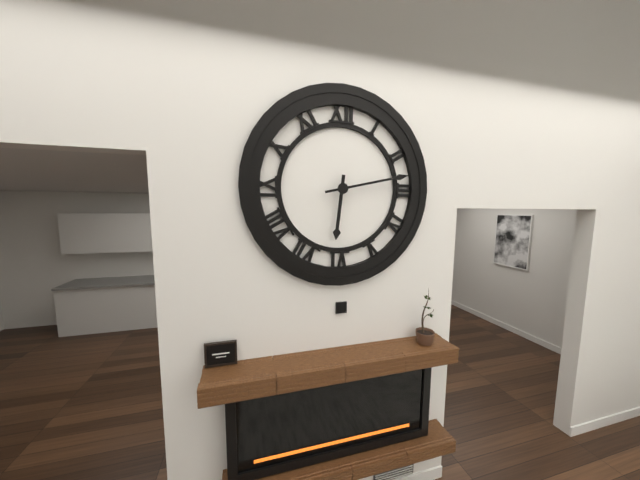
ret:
6:13
